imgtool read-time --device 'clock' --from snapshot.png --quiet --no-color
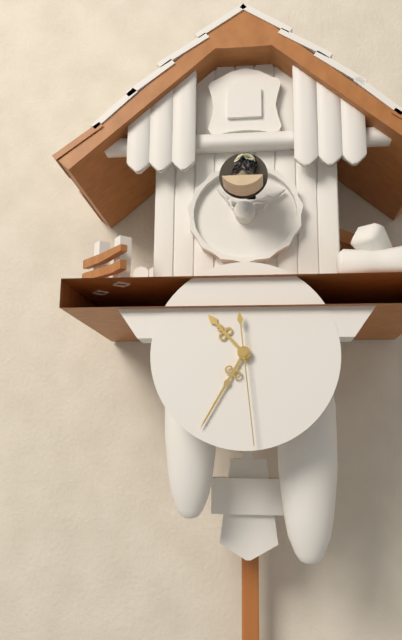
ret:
10:35:29
